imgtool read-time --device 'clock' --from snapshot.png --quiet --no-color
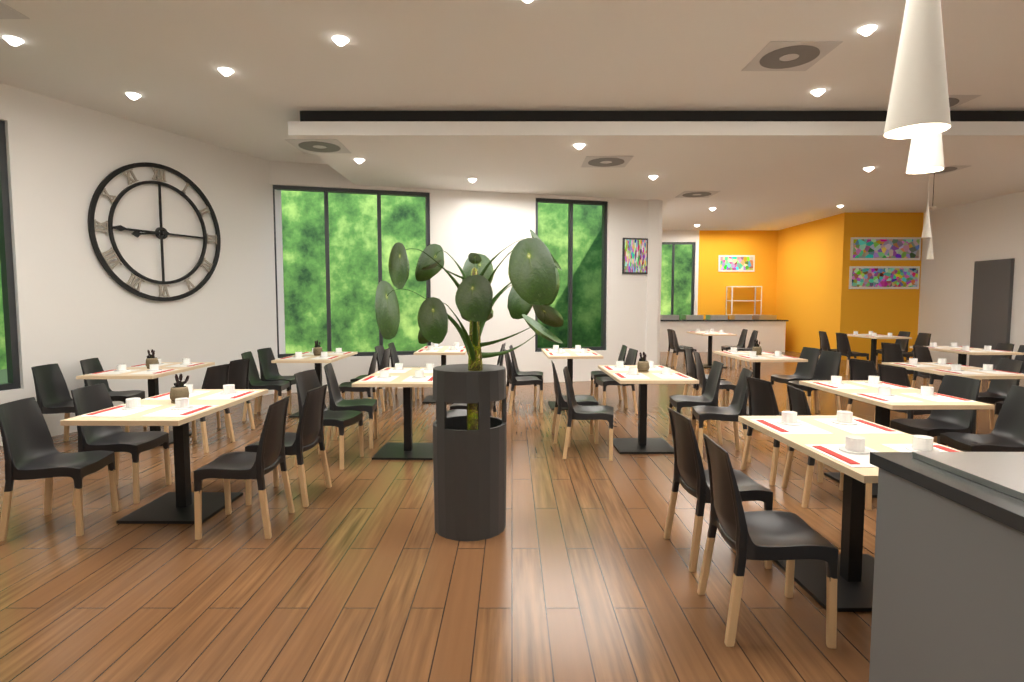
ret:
8:45
